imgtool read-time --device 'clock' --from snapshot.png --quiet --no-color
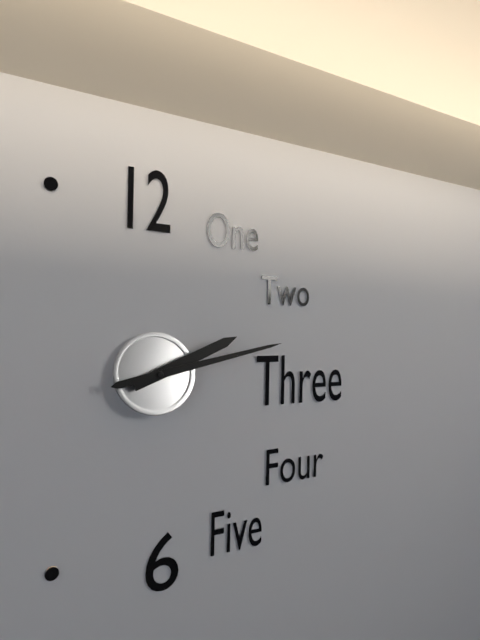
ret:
2:13
